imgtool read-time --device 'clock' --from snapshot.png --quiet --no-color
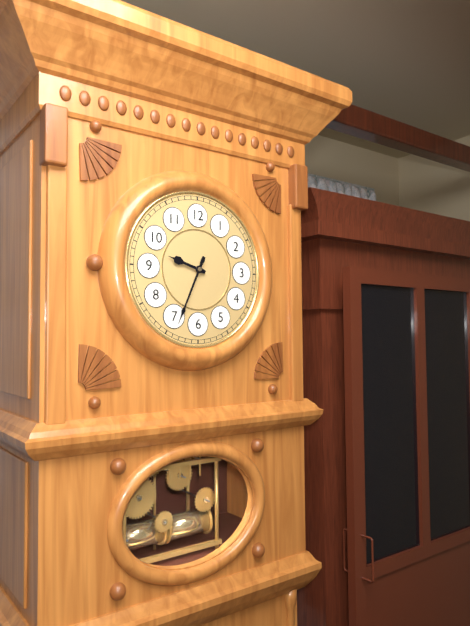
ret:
9:34
